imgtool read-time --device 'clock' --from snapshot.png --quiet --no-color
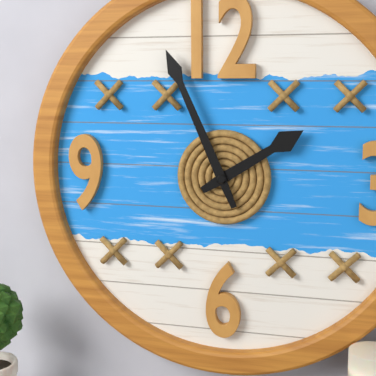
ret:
1:56
